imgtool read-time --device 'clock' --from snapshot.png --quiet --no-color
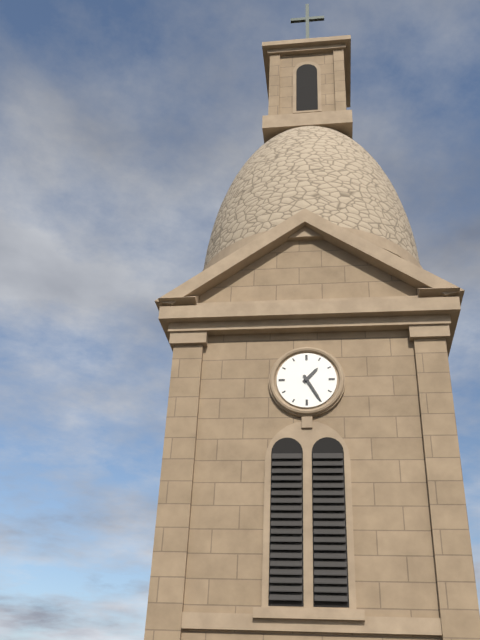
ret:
1:25
